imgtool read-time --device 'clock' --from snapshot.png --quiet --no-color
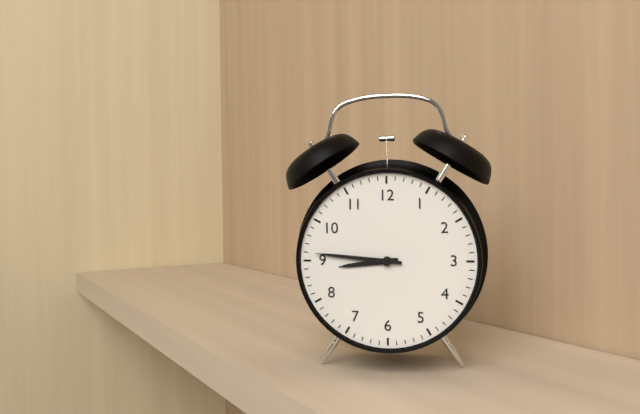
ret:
8:46
